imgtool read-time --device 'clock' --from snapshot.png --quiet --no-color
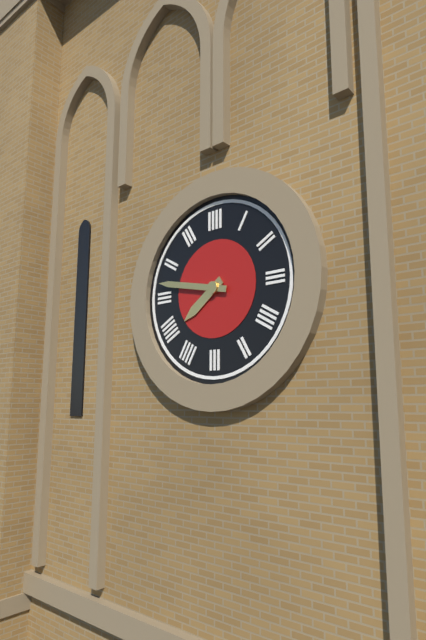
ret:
7:47
